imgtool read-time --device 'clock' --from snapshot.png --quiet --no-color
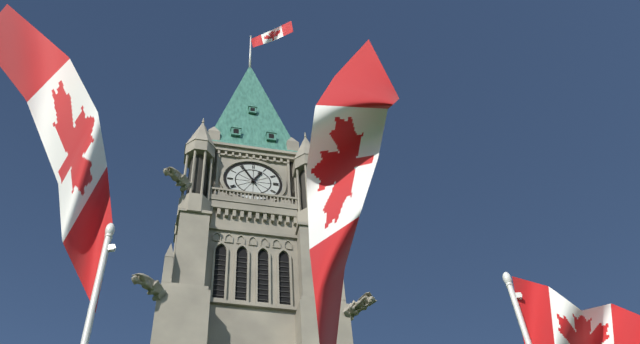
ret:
12:55
